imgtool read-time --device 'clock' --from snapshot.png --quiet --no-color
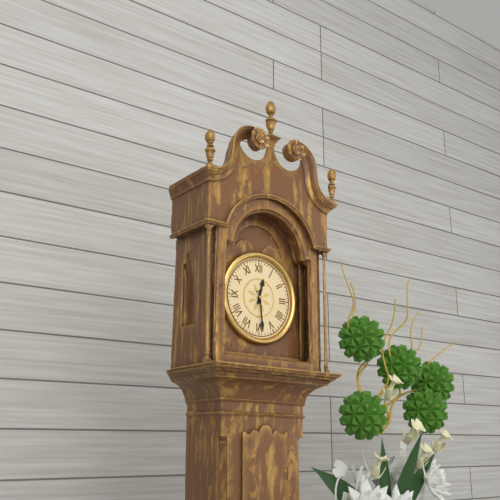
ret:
12:29
